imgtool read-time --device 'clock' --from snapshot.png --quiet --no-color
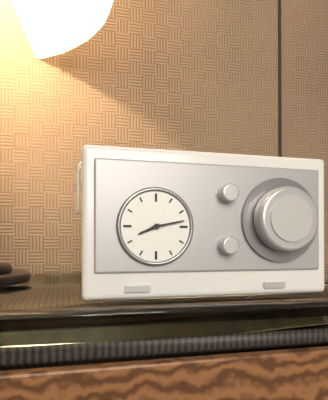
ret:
8:13
